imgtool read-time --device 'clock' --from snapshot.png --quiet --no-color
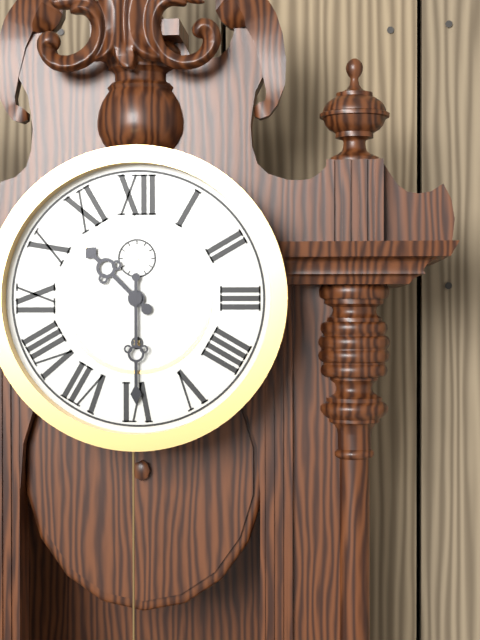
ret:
10:30
